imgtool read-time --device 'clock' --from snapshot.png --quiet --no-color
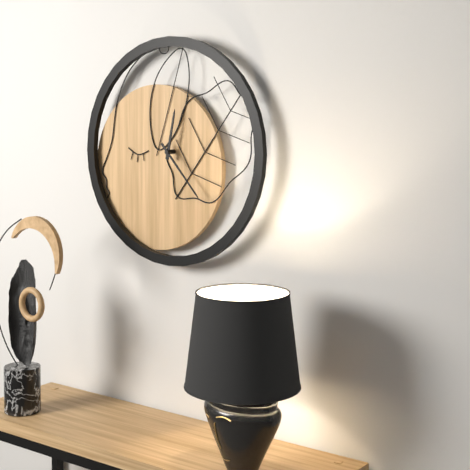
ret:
12:23
